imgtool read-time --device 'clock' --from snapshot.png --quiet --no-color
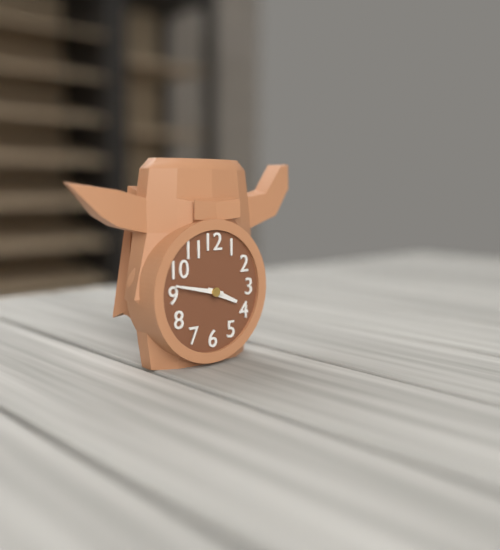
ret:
3:47
